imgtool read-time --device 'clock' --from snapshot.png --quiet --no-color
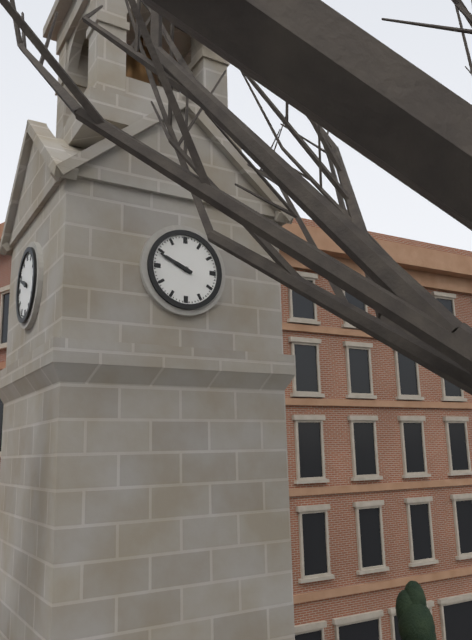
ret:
9:49
